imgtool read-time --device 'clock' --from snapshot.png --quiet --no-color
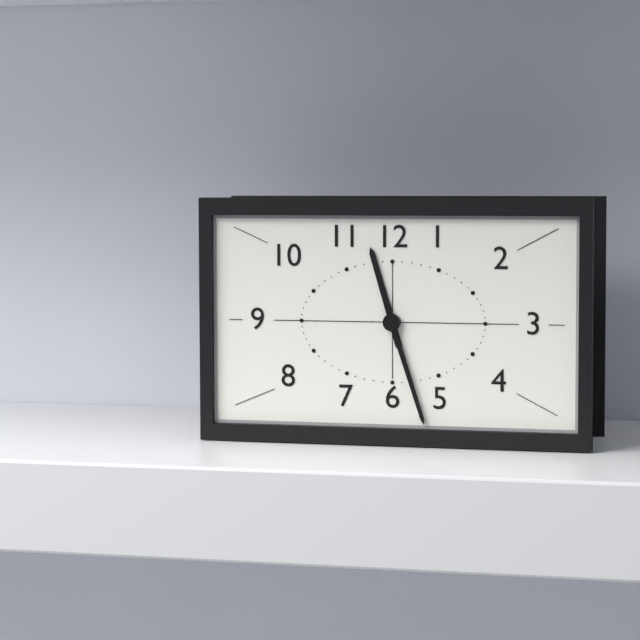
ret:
11:27
